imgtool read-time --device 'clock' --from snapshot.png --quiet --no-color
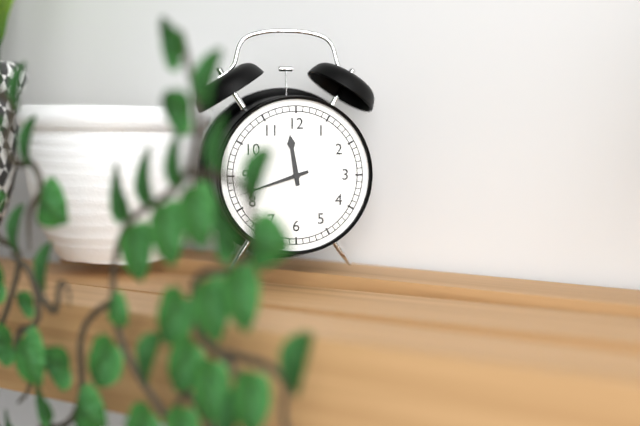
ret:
11:42
